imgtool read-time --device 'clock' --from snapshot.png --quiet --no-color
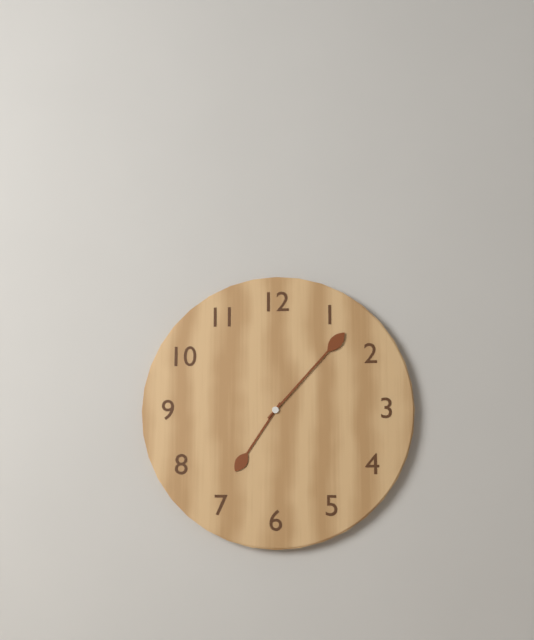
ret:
7:07
